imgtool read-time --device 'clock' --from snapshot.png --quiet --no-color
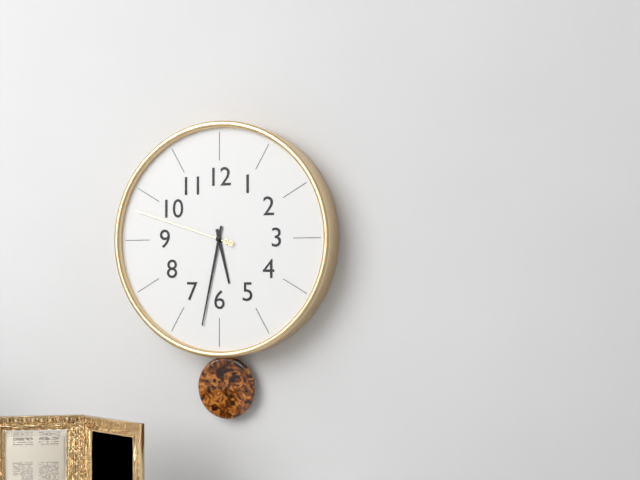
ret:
5:32:48
